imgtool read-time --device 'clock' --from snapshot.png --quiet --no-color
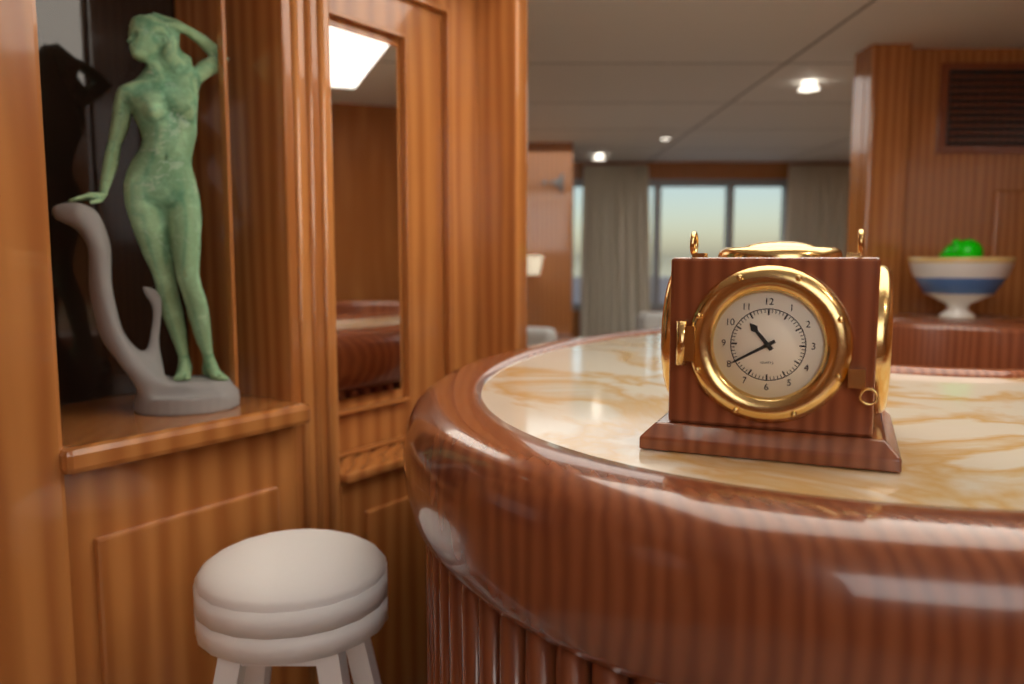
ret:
10:40
